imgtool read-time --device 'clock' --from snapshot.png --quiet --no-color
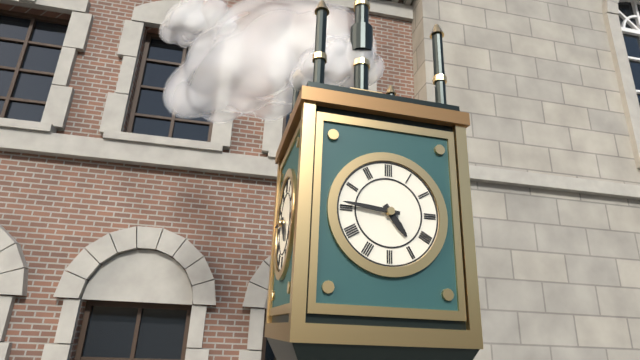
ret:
4:46
